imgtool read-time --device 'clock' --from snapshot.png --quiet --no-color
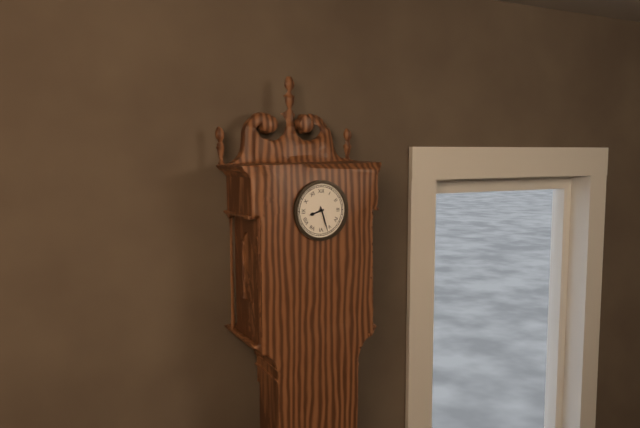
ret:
8:27
